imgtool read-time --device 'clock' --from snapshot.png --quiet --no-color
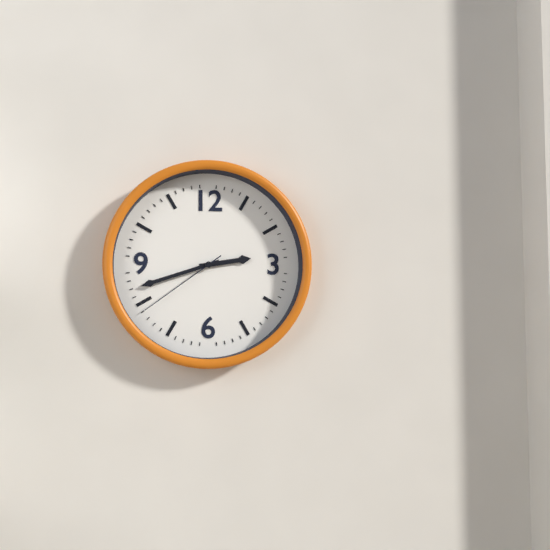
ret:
2:42:39
